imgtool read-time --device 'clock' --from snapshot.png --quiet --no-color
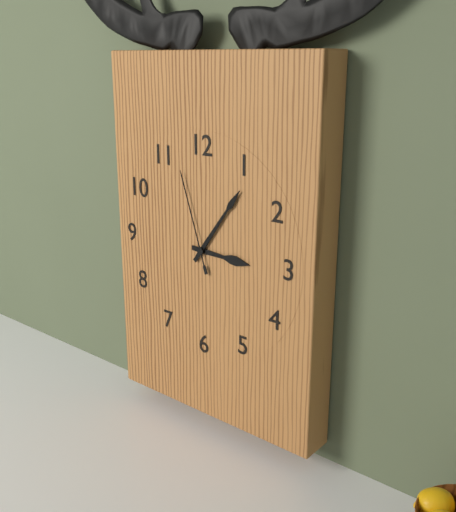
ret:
3:06:57
